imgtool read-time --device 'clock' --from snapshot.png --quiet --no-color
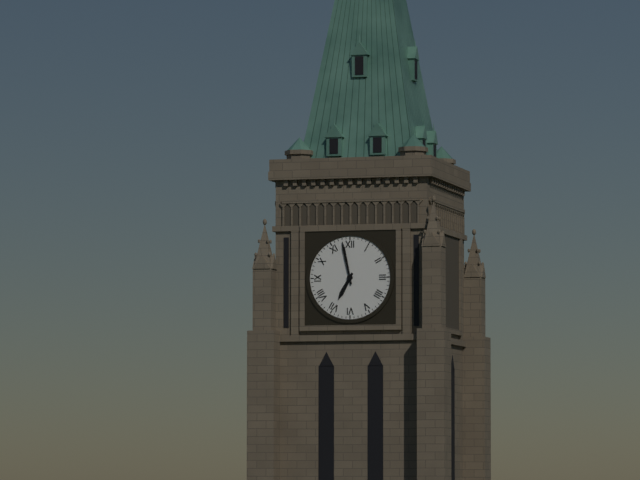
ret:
6:58
